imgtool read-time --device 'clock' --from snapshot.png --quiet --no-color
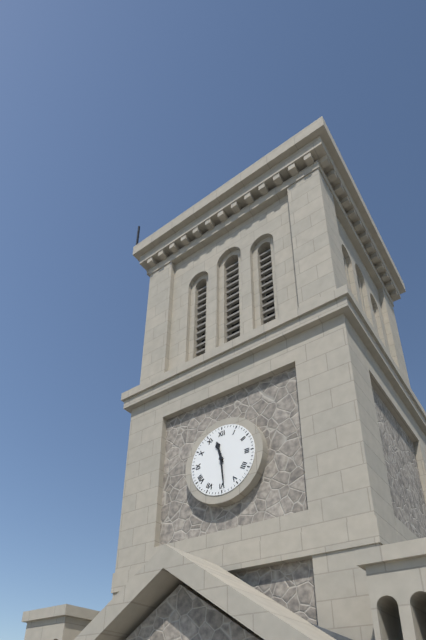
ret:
11:29
